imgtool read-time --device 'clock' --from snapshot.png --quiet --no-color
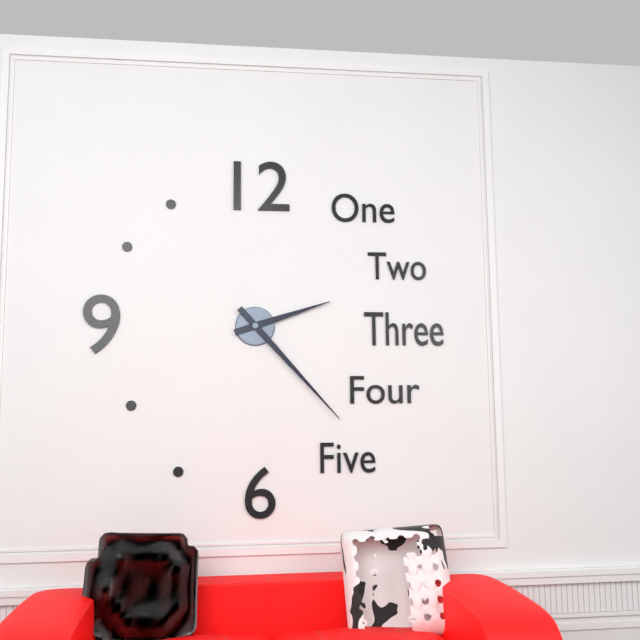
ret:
2:23
